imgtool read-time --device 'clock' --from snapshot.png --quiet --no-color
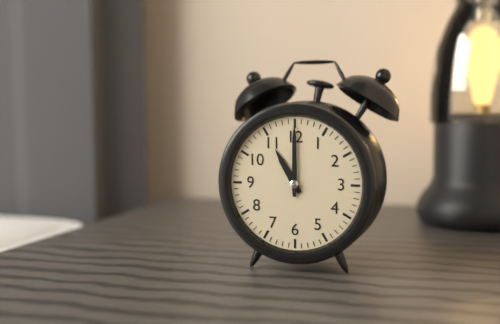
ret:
11:00
